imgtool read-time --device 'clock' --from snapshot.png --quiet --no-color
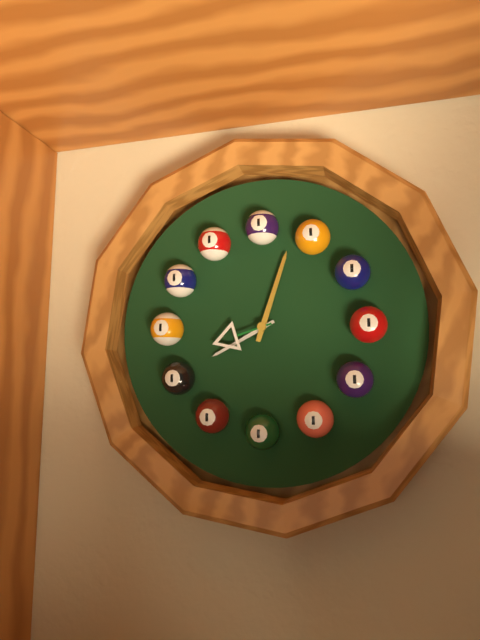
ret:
8:03:42
